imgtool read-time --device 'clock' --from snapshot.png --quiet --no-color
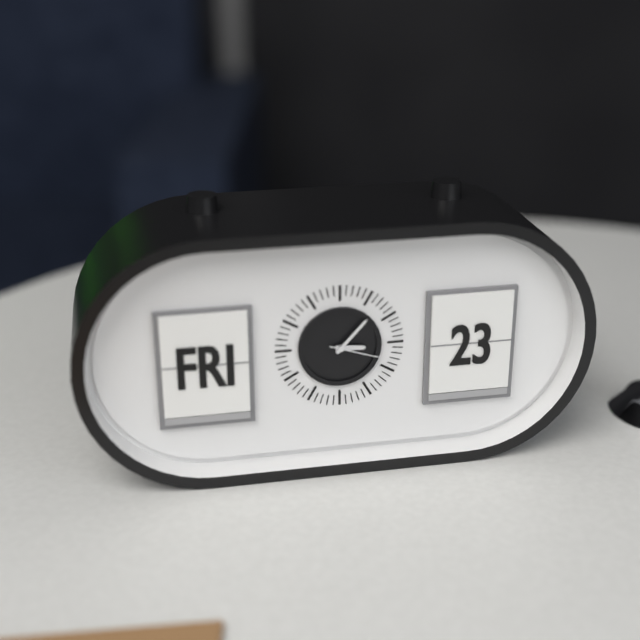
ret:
3:07:18
